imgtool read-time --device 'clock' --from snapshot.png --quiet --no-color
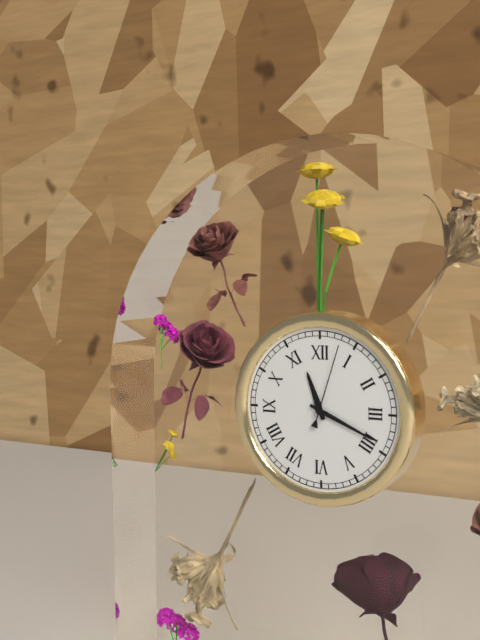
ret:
11:19:03
